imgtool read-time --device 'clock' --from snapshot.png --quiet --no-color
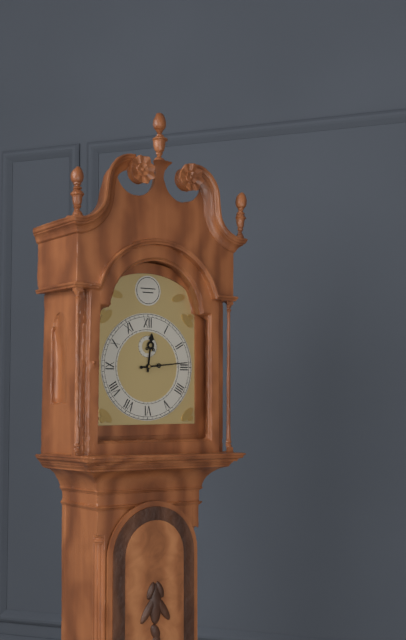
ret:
12:14
